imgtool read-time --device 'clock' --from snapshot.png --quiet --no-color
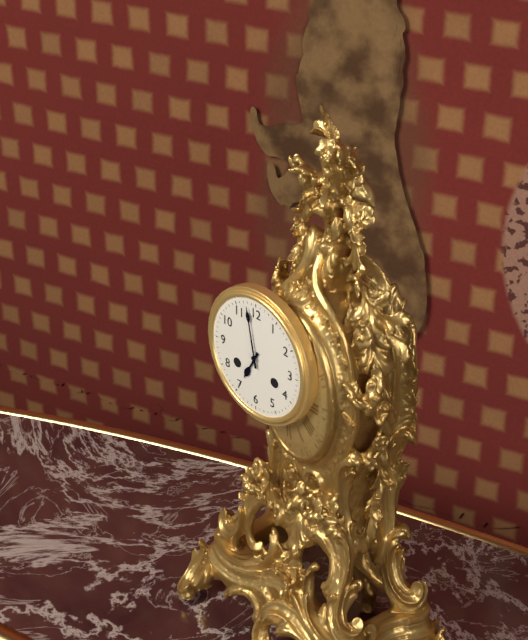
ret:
6:58
